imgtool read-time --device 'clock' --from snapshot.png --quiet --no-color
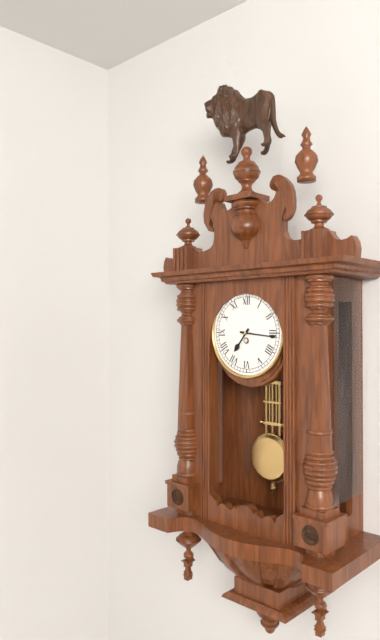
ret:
7:16
